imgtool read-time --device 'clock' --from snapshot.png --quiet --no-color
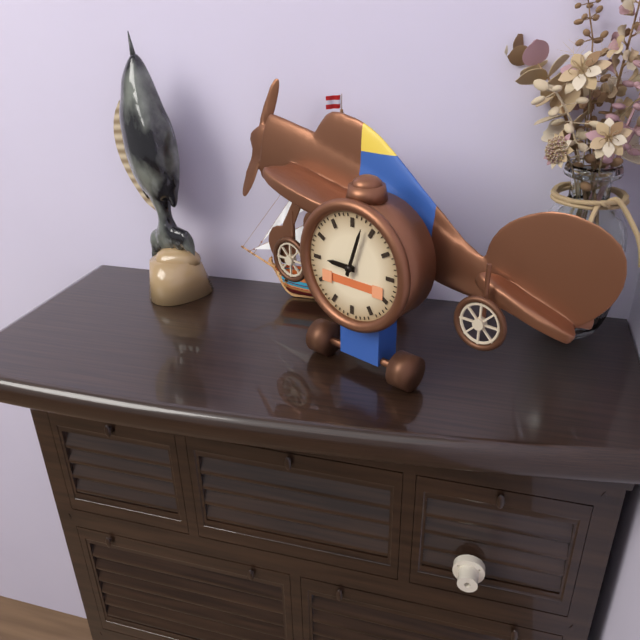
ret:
9:03
